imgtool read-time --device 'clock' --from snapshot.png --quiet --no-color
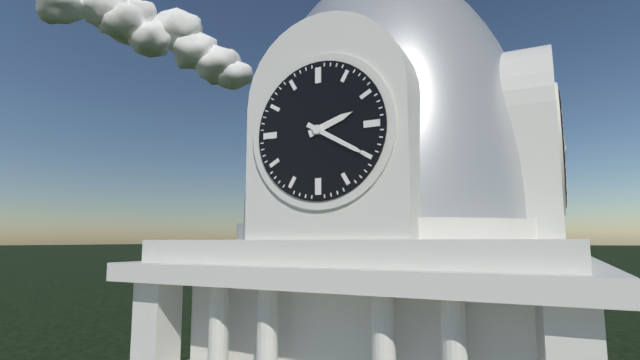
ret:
2:20
